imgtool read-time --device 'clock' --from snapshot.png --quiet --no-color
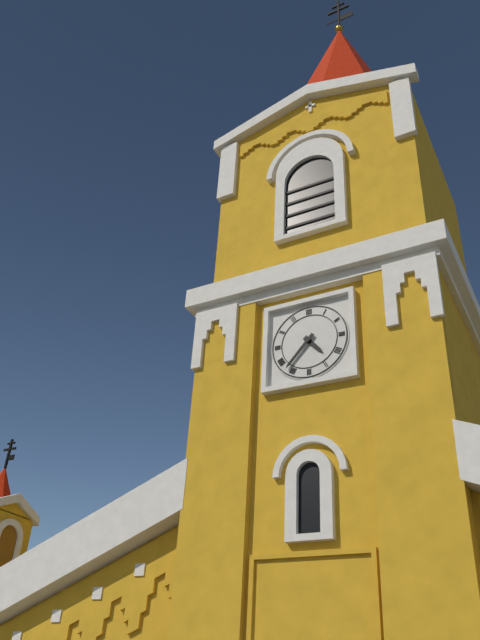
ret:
4:37
